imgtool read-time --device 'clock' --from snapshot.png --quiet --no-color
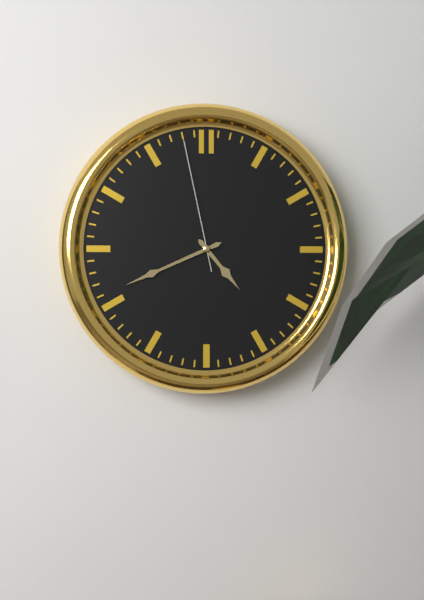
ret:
4:41:58
